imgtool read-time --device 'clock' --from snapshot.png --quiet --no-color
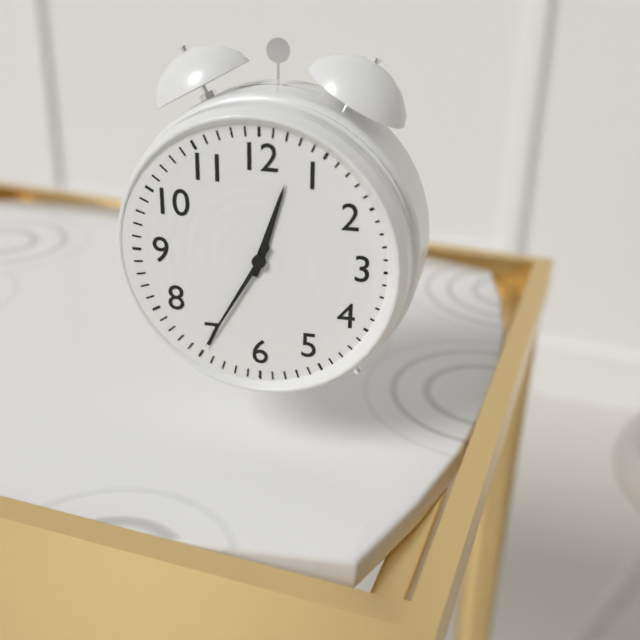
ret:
12:35
